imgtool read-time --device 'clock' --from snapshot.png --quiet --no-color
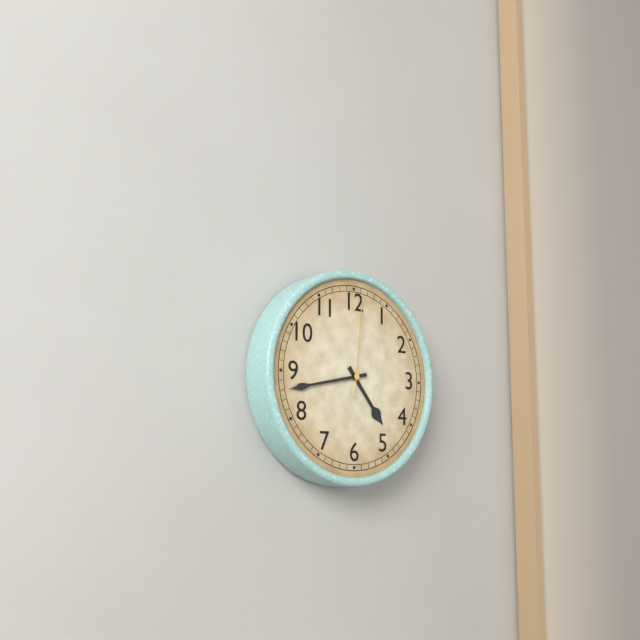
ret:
4:43:01
